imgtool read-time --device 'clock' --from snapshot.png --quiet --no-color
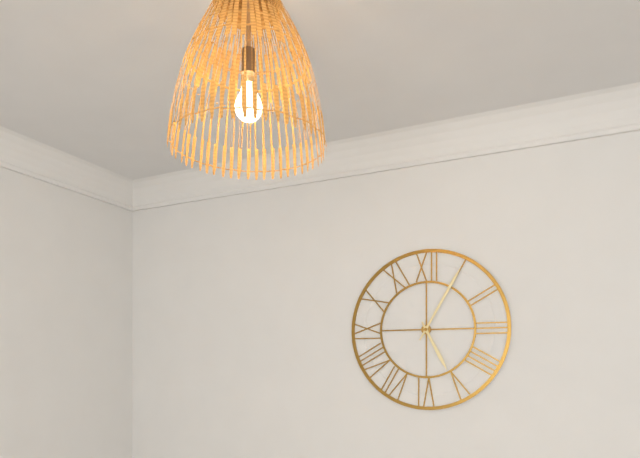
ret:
5:05
